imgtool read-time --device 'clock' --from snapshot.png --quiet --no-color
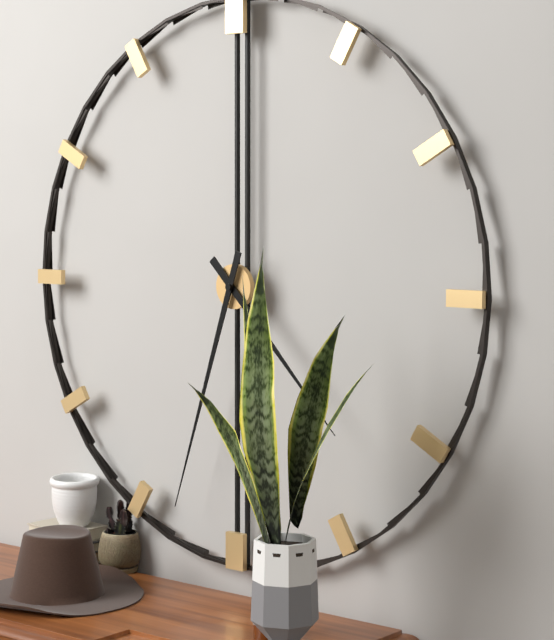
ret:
4:33
